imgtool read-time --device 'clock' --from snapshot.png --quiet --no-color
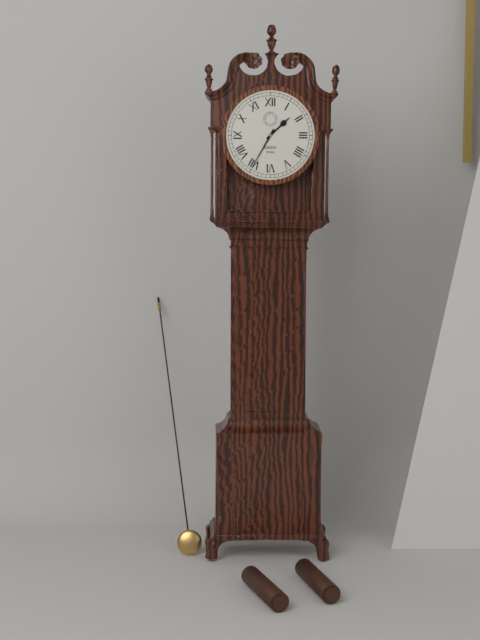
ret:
1:35
